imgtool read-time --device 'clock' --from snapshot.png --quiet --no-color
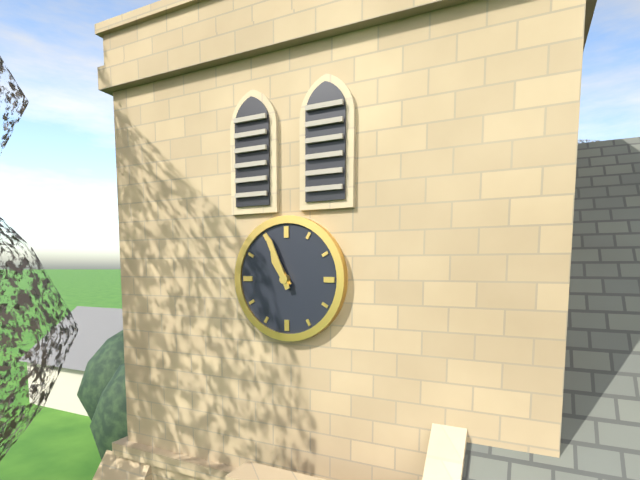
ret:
10:56
